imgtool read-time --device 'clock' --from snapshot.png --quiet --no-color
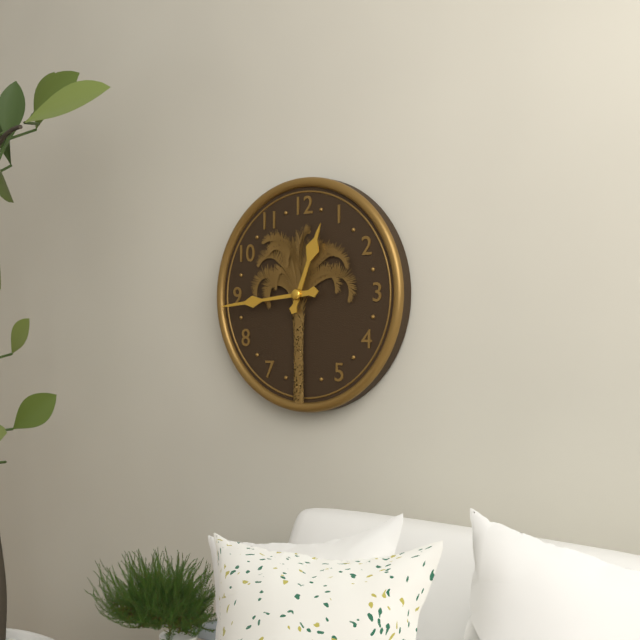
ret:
12:44
